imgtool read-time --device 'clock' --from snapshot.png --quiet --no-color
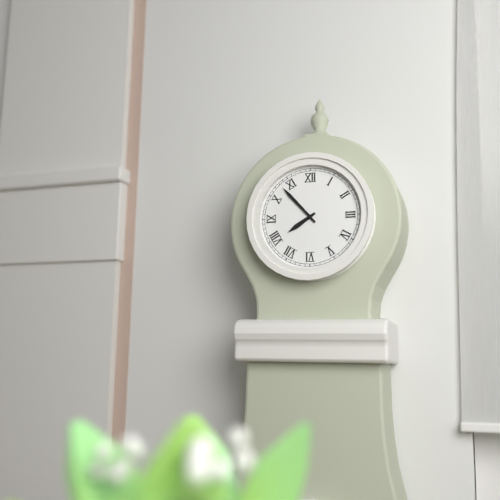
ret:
7:53
